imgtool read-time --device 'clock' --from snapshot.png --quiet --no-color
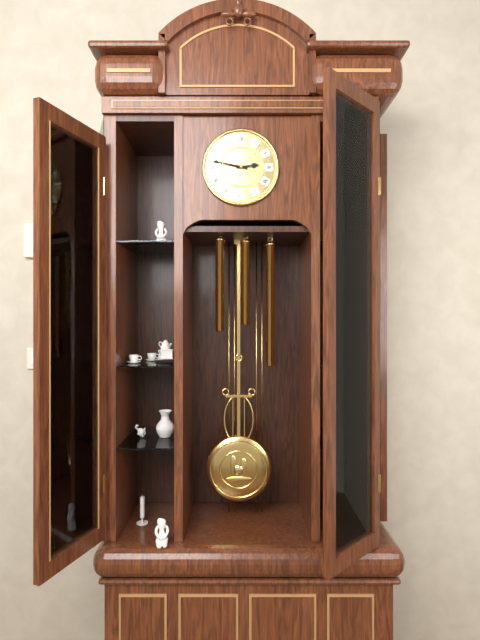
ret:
2:47
